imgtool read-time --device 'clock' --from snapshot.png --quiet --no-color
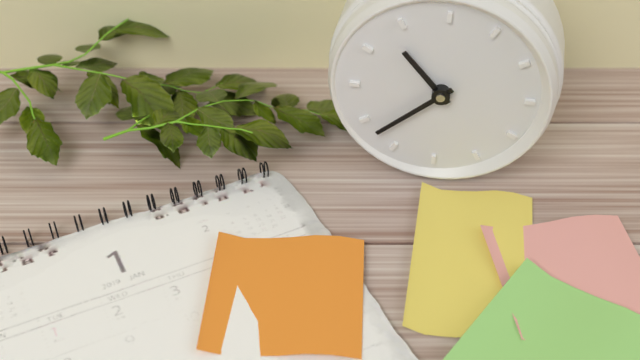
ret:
10:38
